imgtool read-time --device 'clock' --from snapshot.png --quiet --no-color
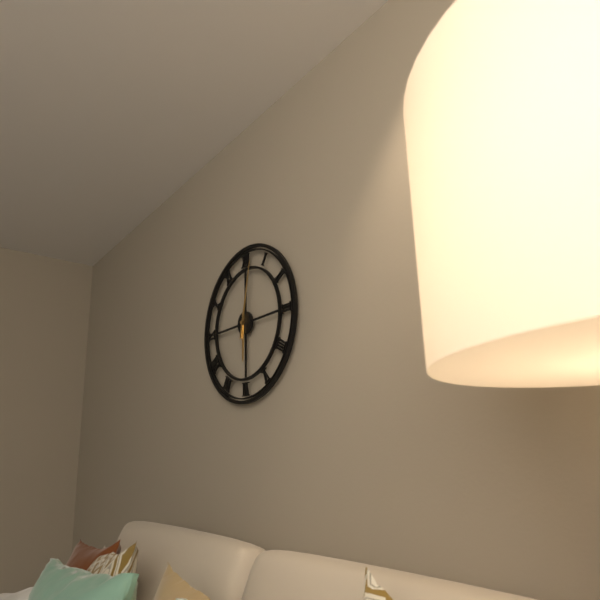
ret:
6:02
